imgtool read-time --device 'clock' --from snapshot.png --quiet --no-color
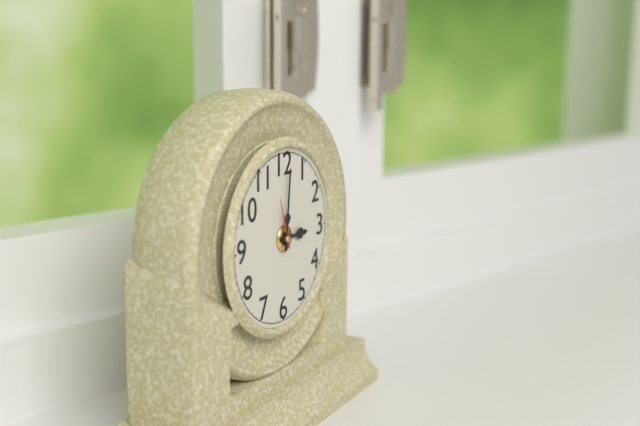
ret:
3:01:57
